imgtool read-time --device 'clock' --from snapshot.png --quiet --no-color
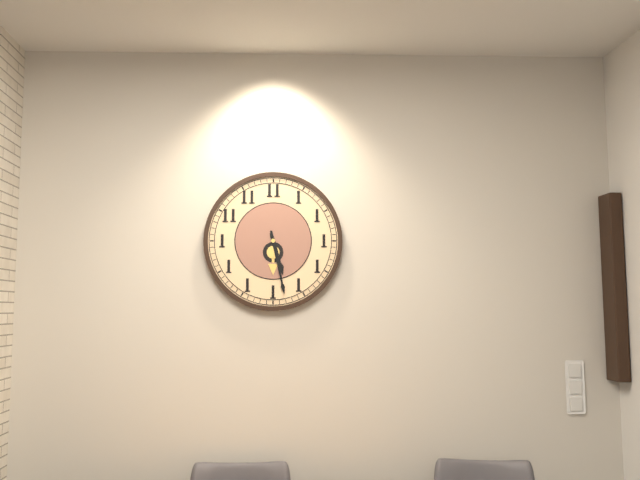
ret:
5:28
